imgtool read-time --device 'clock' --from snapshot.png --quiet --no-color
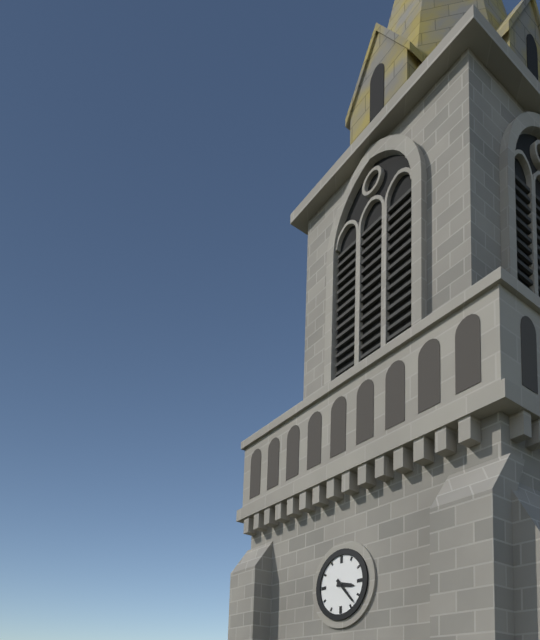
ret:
3:23
